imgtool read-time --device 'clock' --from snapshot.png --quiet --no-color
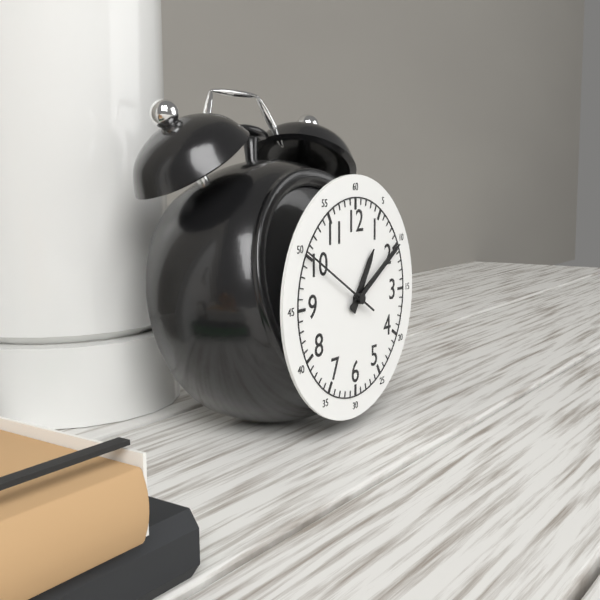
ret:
1:10:50
